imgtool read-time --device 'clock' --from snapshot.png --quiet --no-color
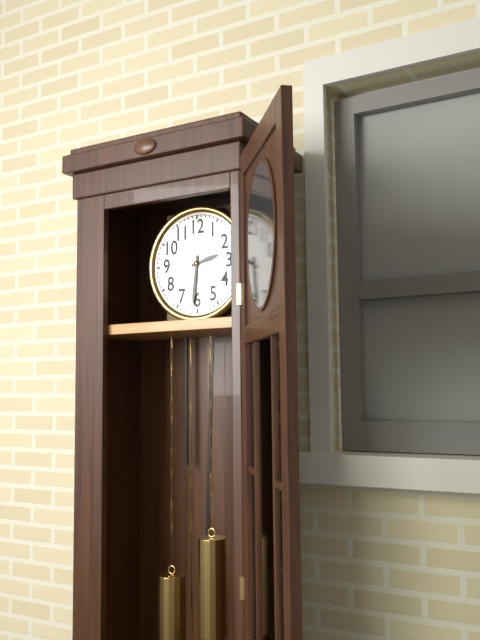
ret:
2:31
